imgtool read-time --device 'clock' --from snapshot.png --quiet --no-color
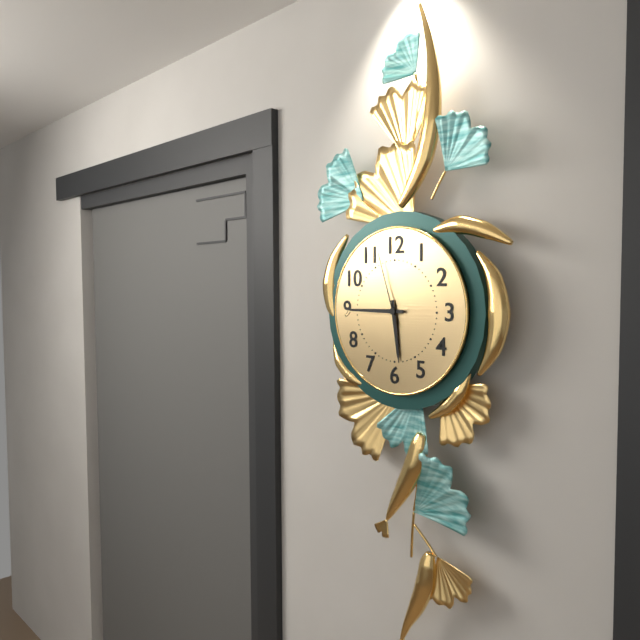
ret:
5:45:57
